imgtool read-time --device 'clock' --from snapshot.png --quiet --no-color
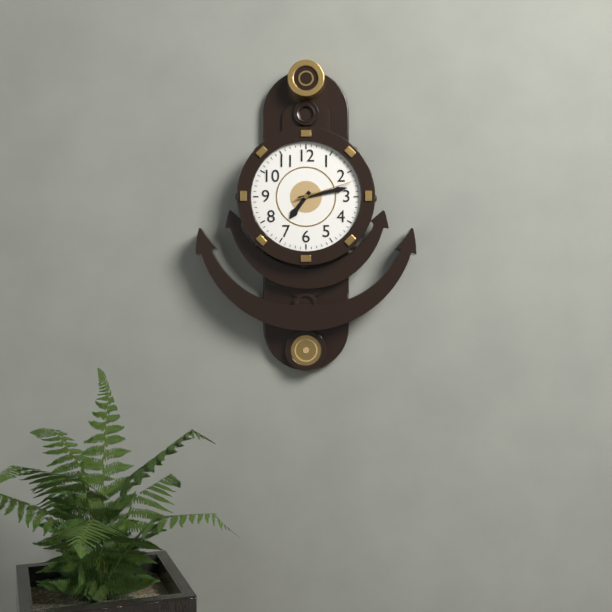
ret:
7:13:12
